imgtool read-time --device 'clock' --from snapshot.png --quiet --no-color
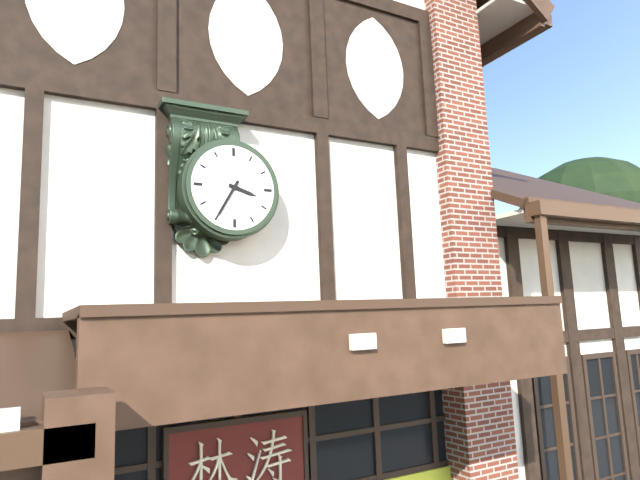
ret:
3:35
